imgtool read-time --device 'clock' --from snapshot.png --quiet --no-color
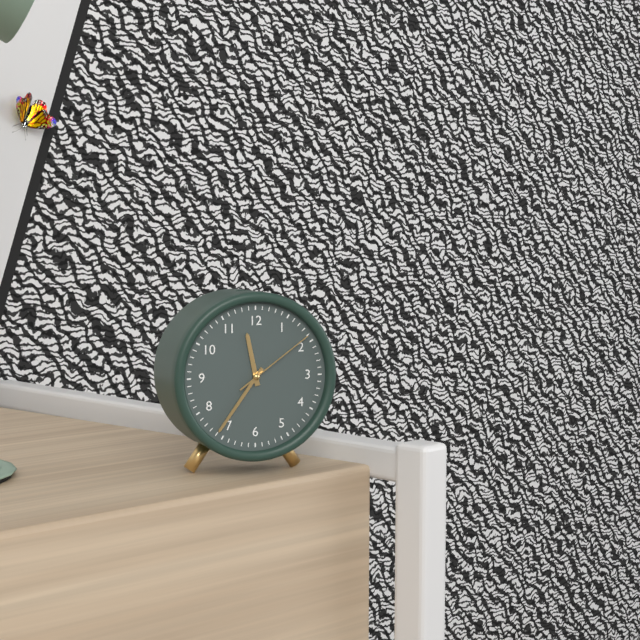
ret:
11:36:09
